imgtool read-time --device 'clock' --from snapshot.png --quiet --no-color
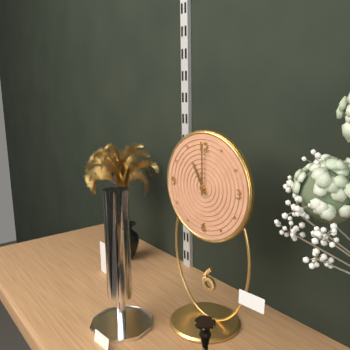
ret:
11:00
